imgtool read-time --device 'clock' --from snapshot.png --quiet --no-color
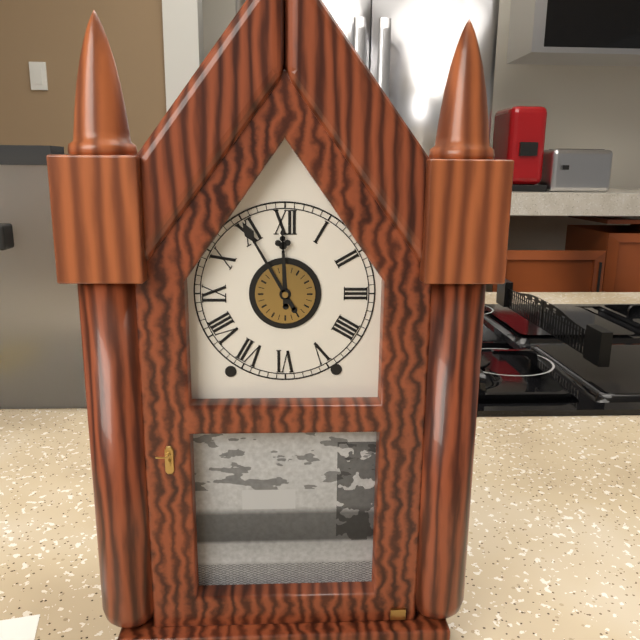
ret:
11:55
